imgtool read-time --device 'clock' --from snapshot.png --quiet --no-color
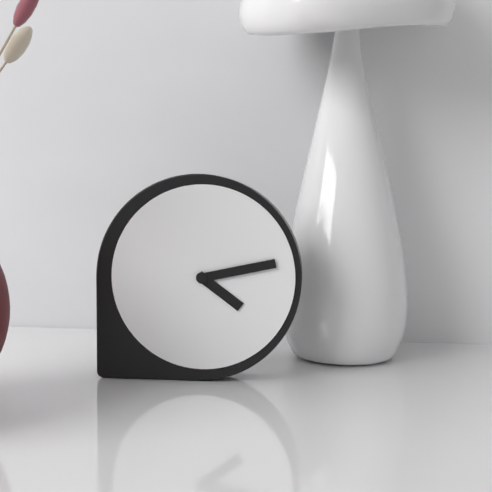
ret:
4:13
